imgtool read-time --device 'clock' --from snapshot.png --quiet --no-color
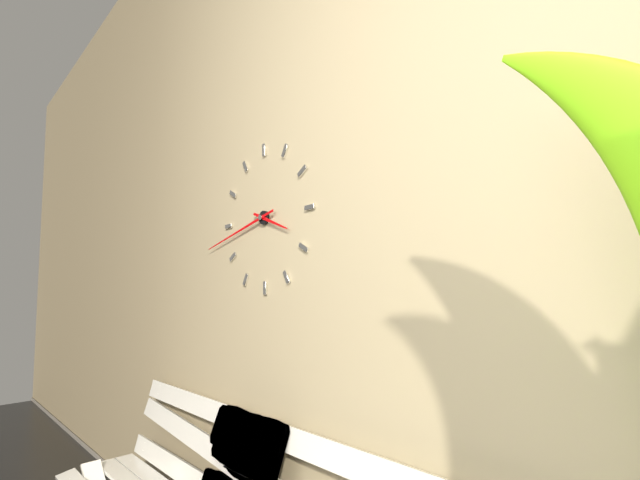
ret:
3:43
